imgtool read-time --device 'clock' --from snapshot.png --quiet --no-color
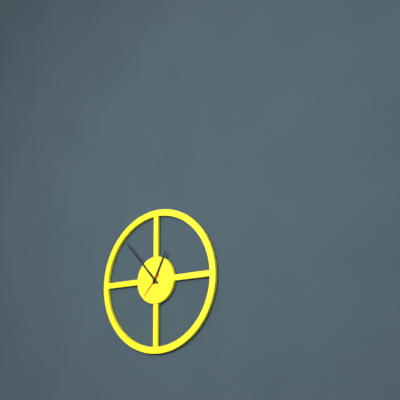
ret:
12:53
